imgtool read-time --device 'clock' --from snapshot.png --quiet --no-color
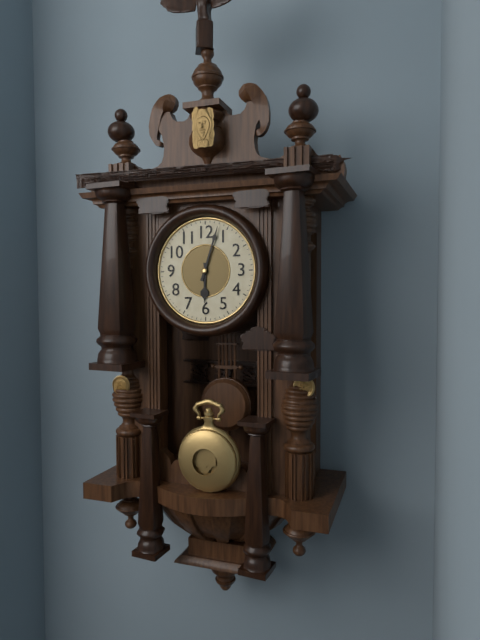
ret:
6:03
